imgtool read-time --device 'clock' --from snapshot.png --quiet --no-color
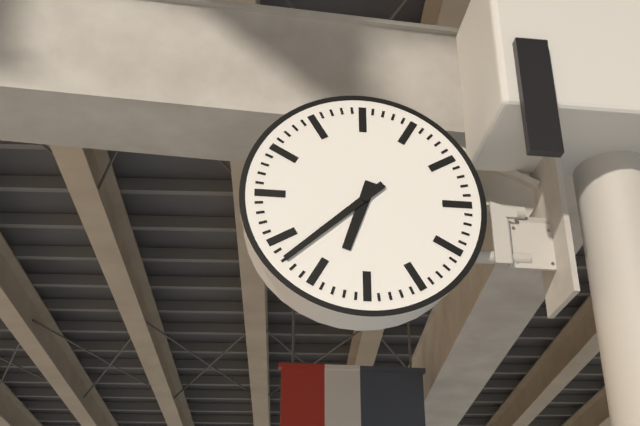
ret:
6:38
